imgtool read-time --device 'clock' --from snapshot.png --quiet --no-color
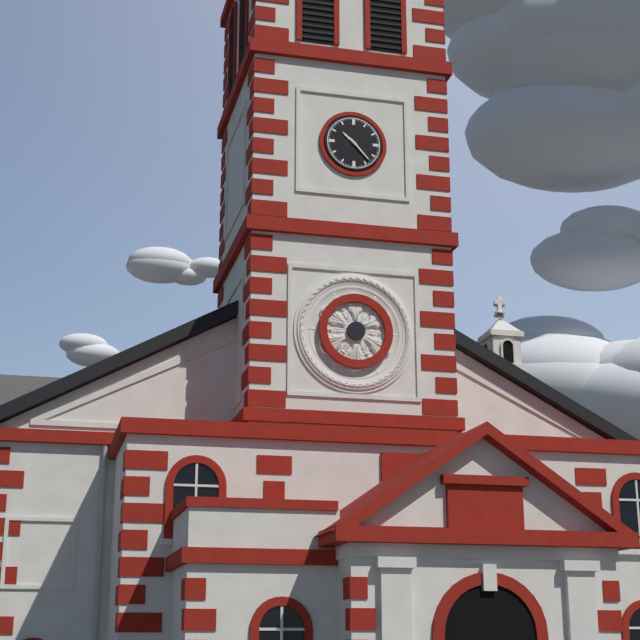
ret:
10:23
